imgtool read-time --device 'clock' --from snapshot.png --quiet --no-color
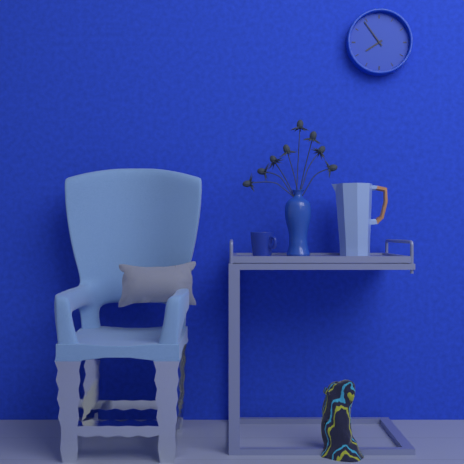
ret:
7:54
